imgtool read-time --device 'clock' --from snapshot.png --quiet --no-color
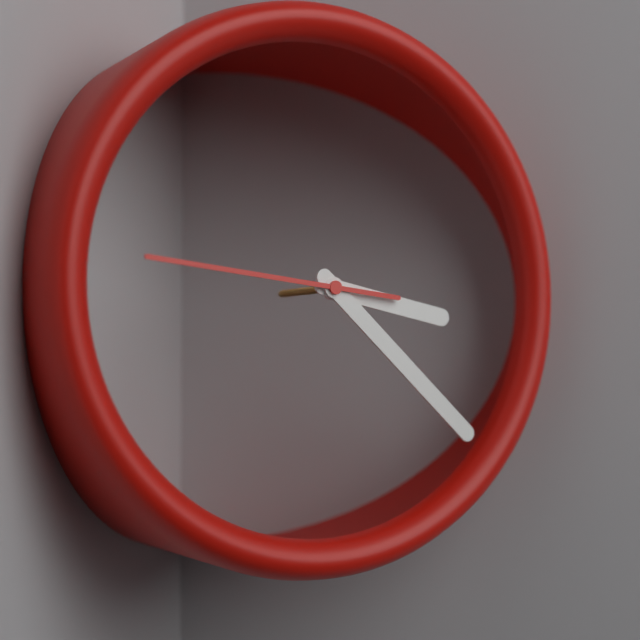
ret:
3:22:46
